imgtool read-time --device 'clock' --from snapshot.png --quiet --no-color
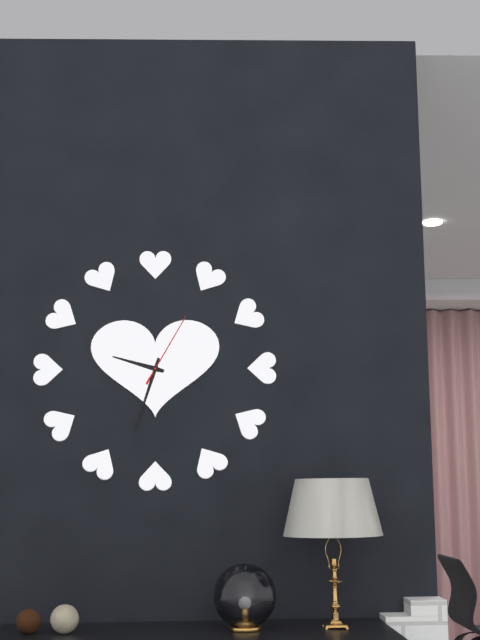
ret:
9:33:05
